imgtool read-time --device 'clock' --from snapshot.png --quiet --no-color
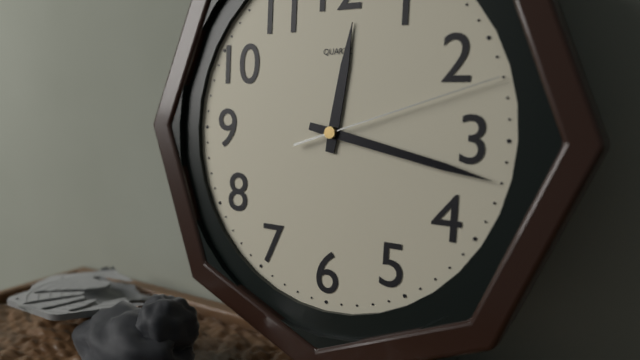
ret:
12:17:12
